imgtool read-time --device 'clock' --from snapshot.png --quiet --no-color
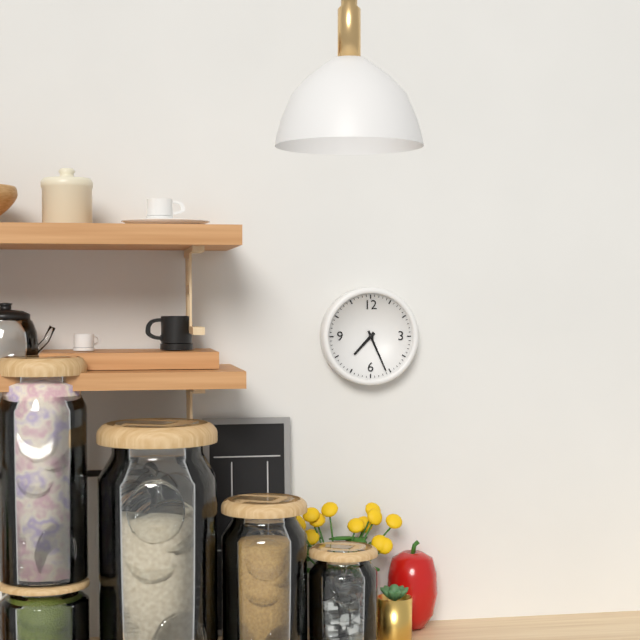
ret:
7:26
